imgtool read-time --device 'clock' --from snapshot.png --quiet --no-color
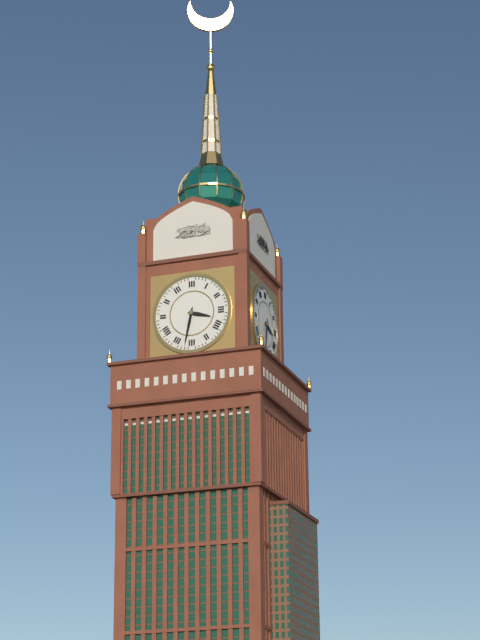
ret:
3:32
